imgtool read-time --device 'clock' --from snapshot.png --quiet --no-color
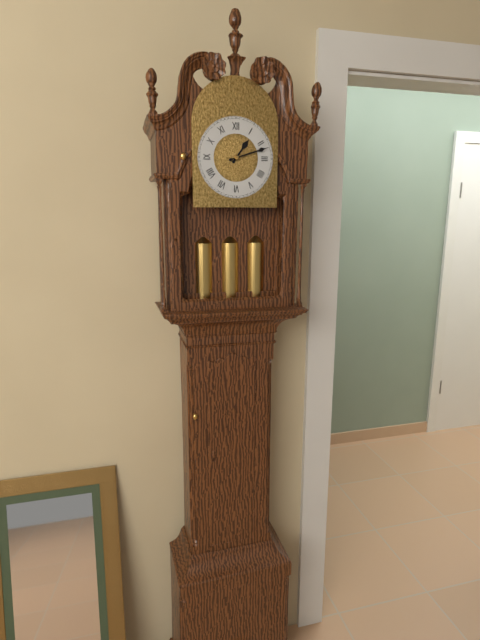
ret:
1:12
